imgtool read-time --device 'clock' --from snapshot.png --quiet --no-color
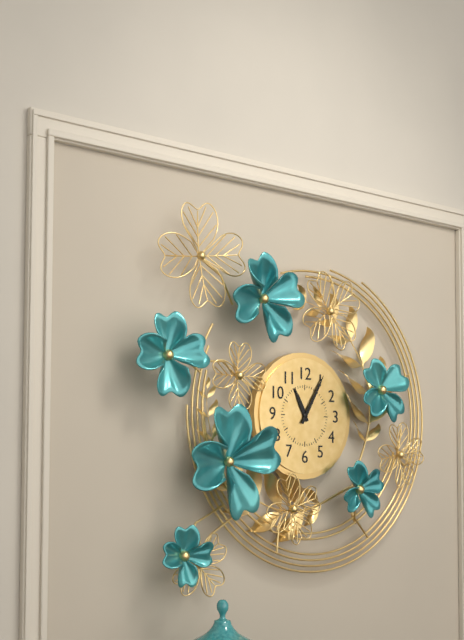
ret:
11:05
